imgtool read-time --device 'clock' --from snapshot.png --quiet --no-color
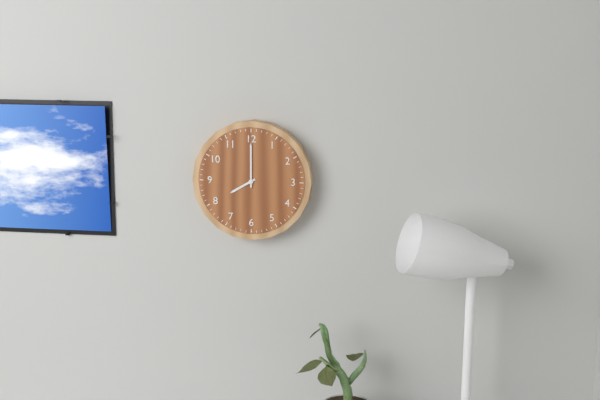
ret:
8:00
